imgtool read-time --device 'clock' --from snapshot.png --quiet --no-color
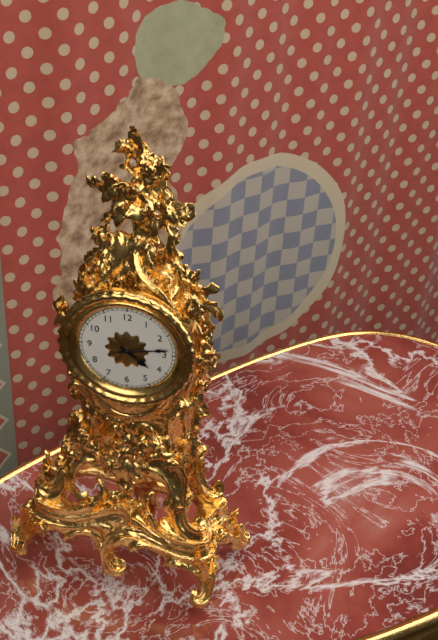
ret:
4:13
